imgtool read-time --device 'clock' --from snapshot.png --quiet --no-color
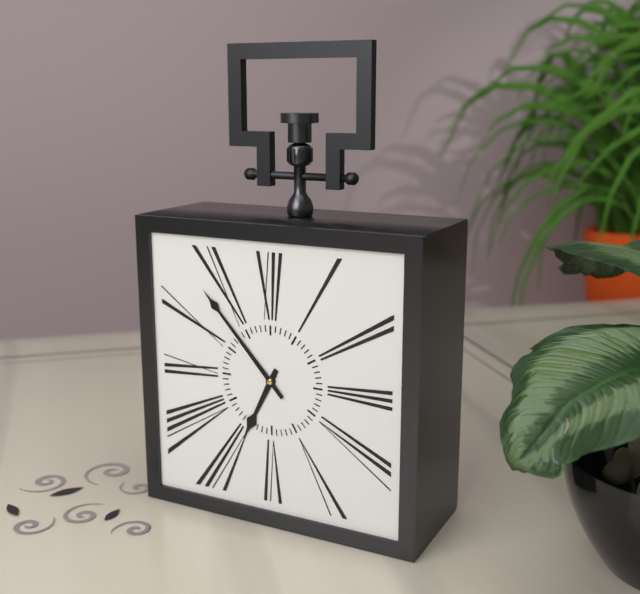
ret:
6:53
